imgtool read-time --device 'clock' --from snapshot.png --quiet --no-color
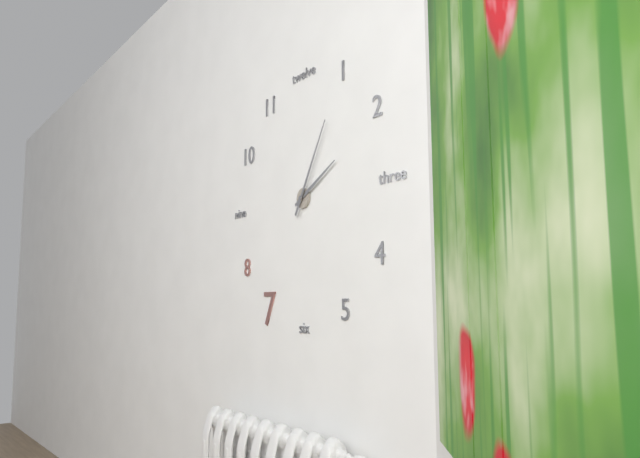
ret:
2:05
